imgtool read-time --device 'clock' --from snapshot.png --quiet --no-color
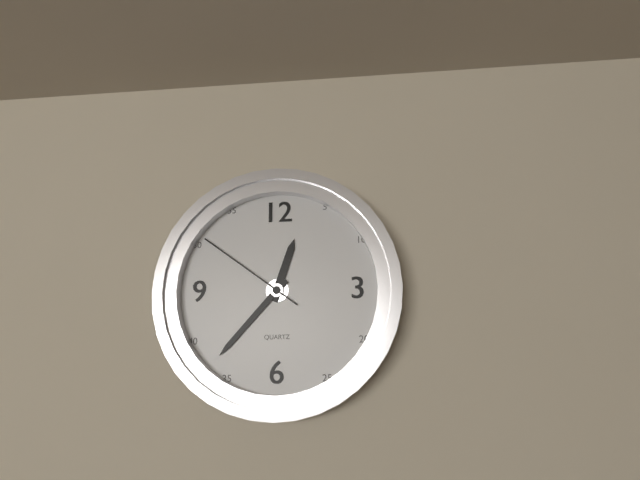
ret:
12:37:51
